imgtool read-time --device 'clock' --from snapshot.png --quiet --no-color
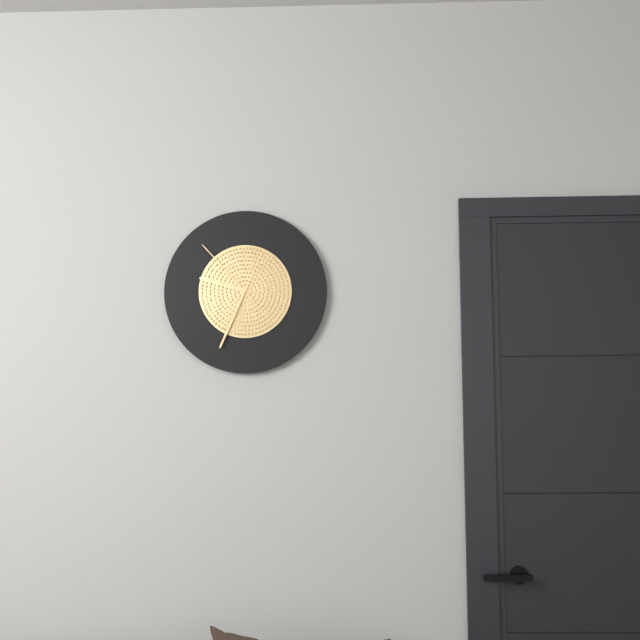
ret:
9:34:53
